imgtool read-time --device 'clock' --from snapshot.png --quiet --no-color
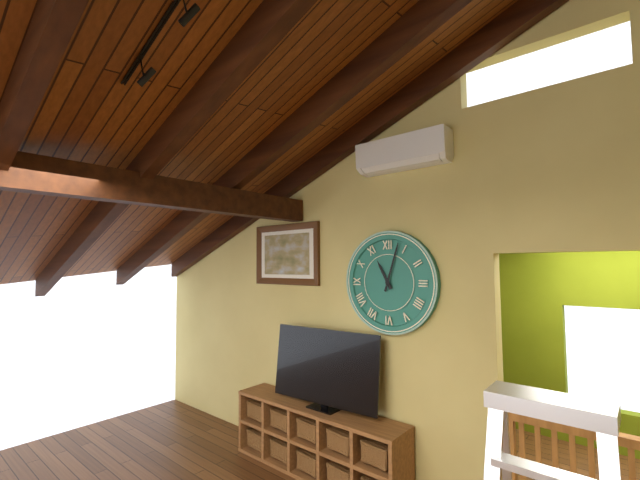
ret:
11:03
